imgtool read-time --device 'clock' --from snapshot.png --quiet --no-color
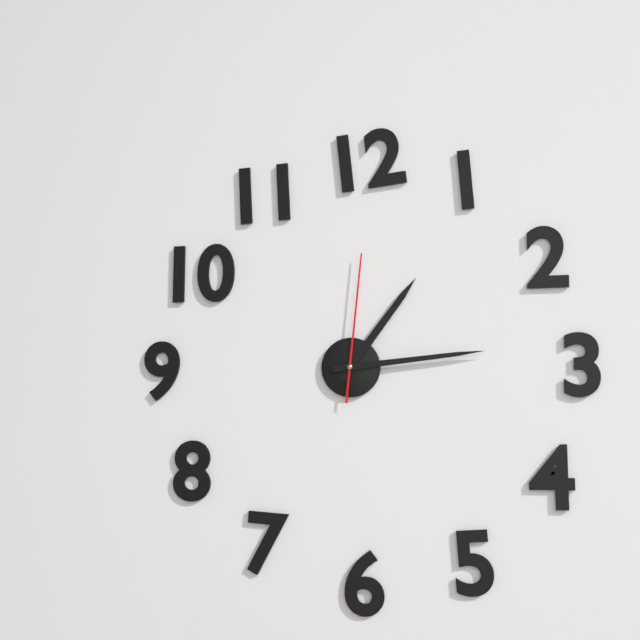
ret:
1:14:01
